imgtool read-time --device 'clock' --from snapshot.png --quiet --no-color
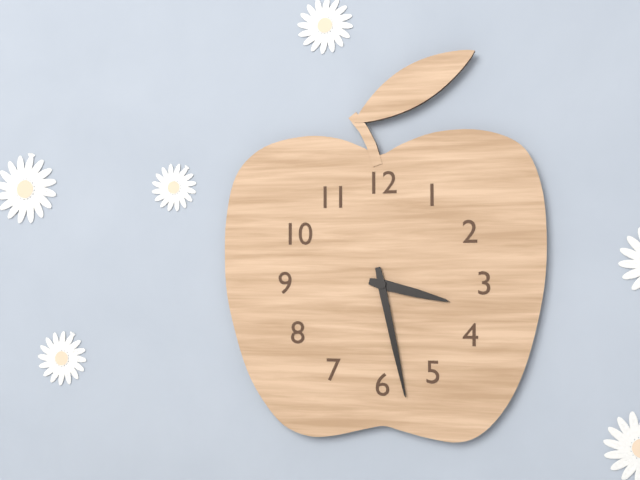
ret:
3:28
